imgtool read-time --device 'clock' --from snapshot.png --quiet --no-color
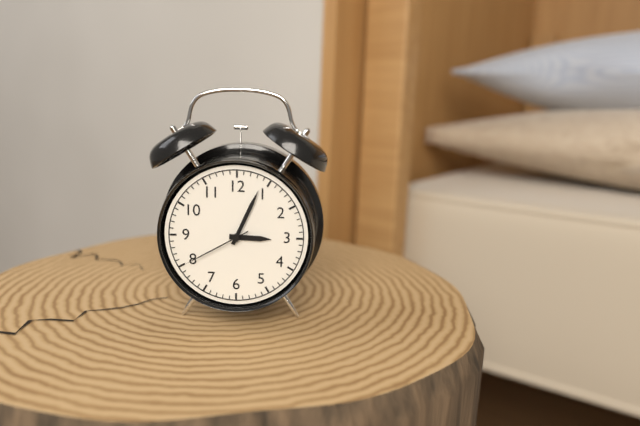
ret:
3:04:40
